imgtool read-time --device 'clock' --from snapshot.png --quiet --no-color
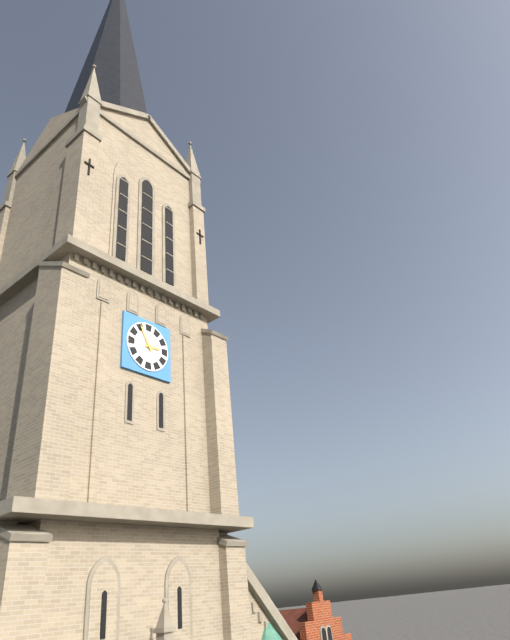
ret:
2:55
